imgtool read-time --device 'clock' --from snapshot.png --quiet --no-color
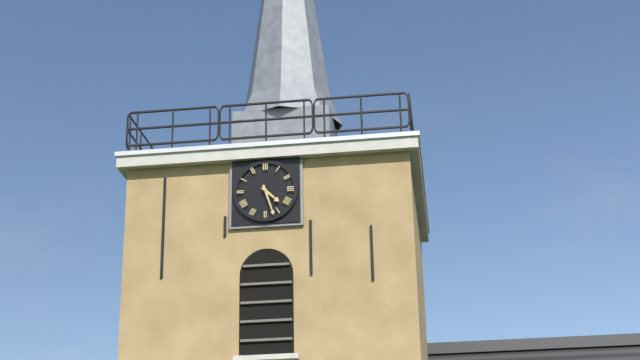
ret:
4:27
